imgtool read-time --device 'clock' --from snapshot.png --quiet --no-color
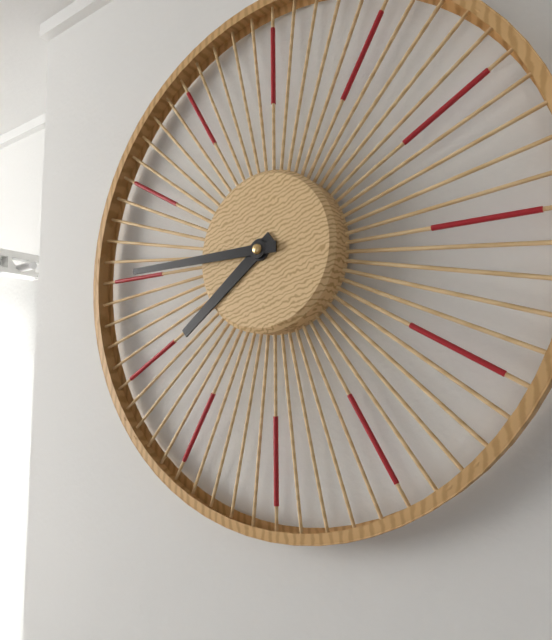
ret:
7:45
